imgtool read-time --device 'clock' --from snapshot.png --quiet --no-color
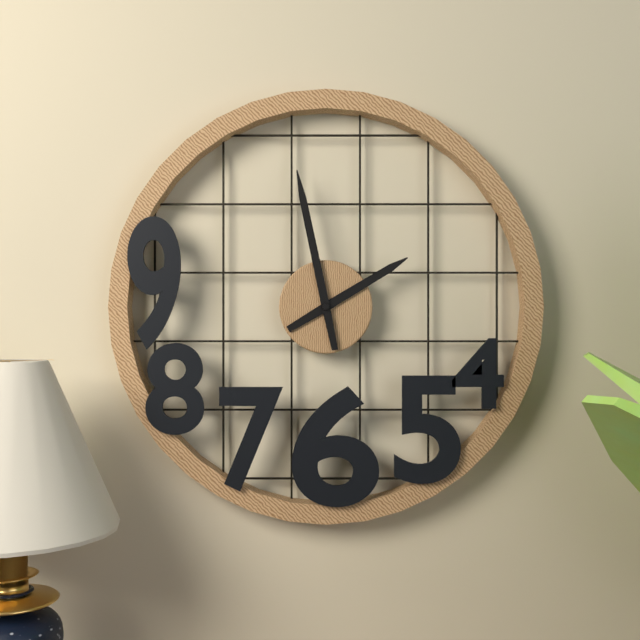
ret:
1:58
